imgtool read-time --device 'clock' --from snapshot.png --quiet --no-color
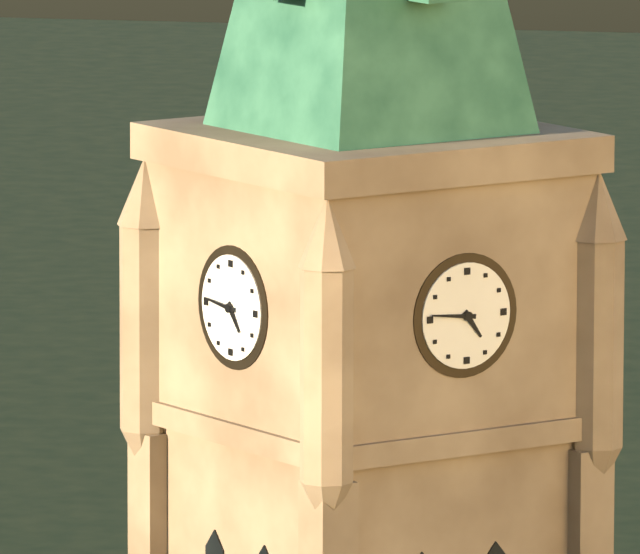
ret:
4:46
